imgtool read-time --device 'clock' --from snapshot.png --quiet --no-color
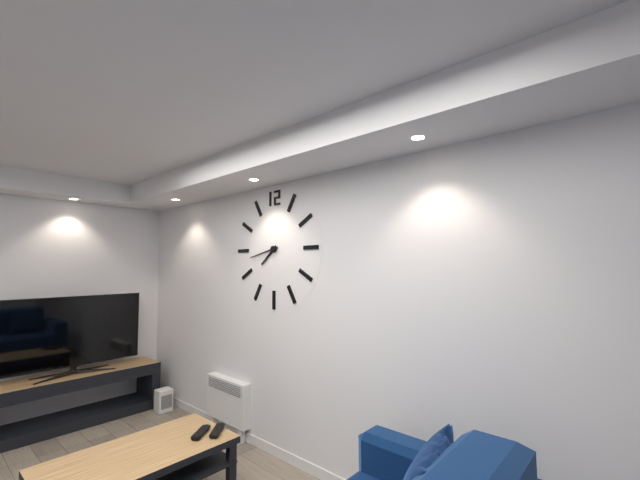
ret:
7:43
